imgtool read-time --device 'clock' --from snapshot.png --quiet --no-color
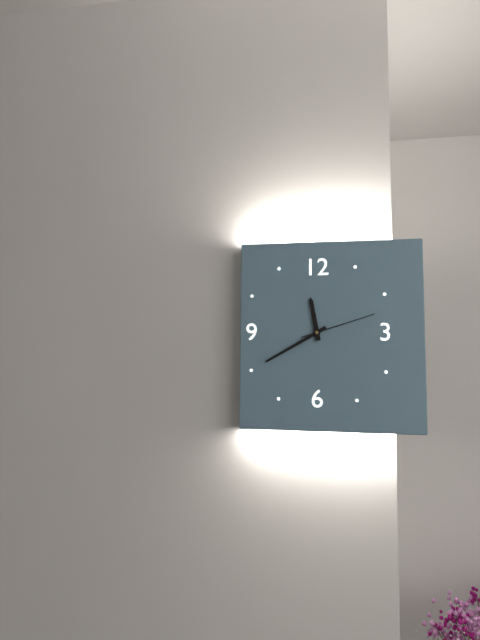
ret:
11:40:12
